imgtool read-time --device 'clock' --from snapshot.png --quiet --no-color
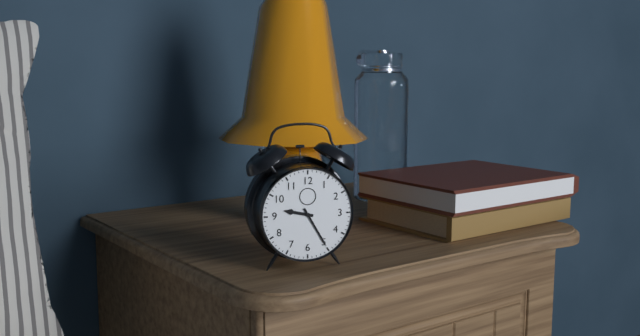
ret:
9:25
